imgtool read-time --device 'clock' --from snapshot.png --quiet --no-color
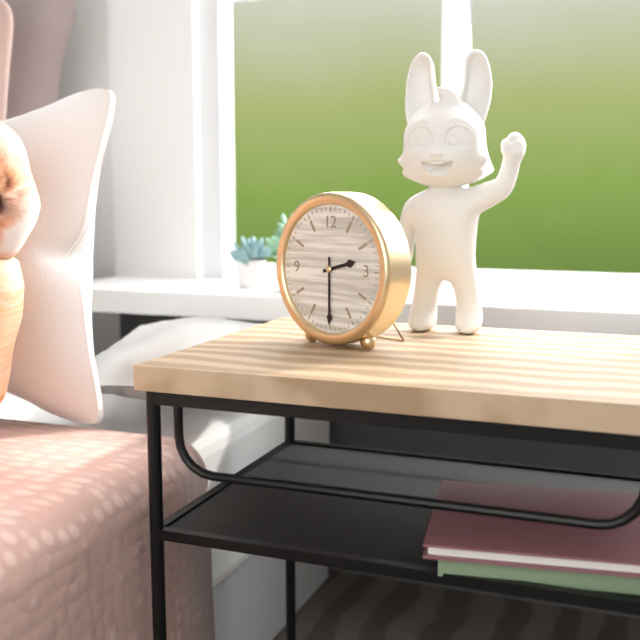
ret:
2:30
